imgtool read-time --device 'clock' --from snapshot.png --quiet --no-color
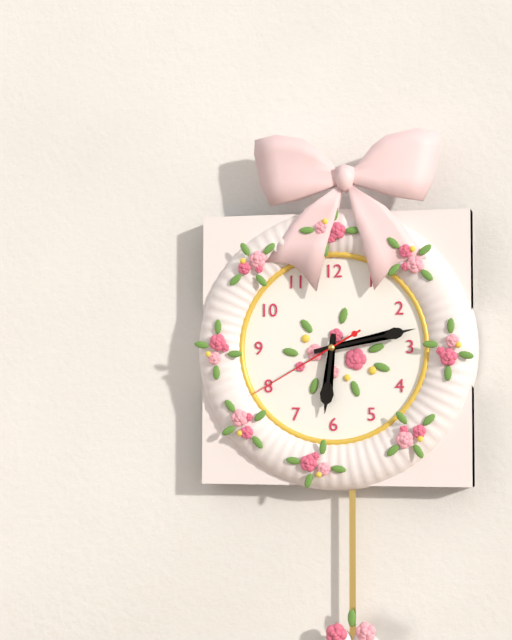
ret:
6:13:40
